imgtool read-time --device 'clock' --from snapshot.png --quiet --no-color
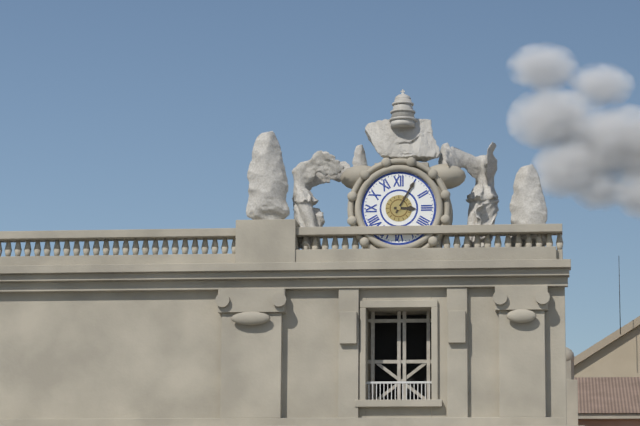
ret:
3:05
